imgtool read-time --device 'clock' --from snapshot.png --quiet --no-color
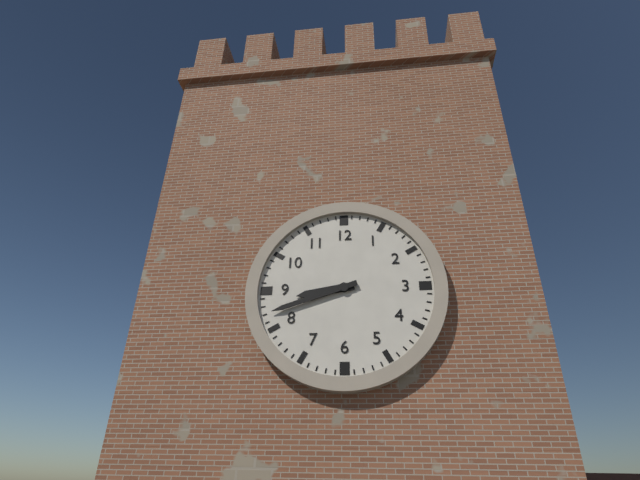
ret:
8:42
